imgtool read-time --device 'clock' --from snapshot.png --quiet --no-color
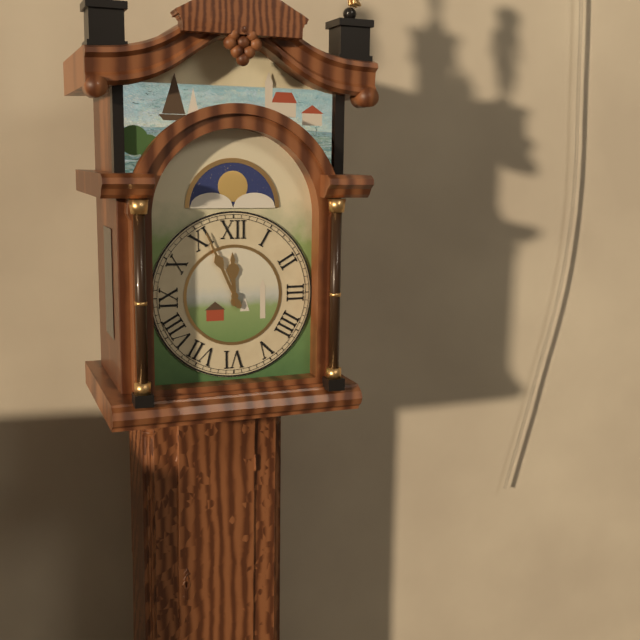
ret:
11:56
